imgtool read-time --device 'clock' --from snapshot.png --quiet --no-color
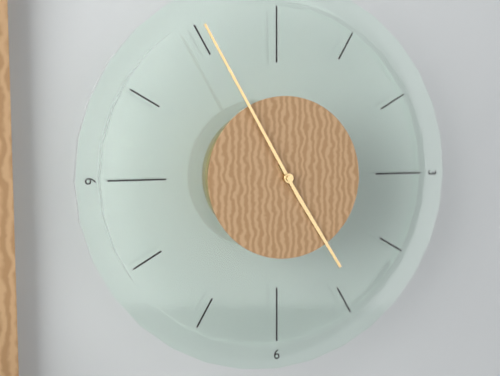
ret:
4:55
